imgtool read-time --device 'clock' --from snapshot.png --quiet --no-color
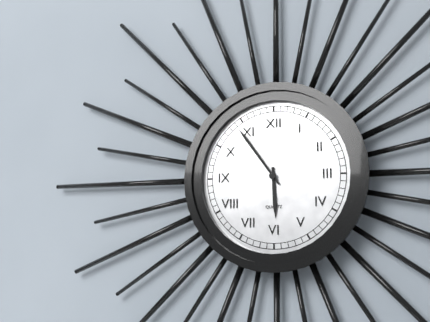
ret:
5:54
